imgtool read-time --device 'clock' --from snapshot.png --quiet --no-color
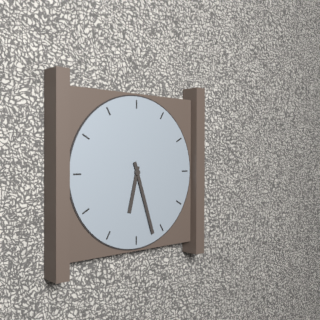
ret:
6:27
